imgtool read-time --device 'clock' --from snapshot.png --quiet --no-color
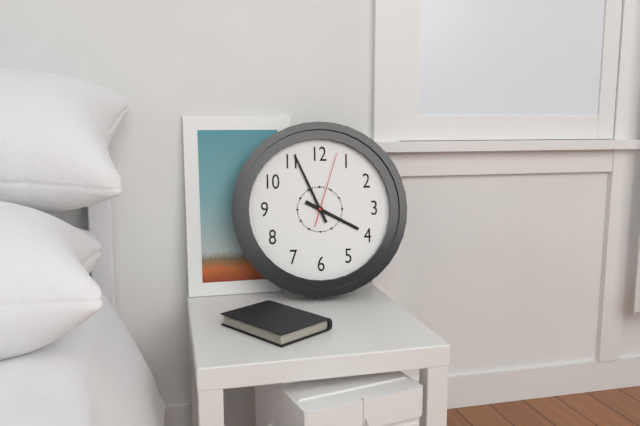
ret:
3:56:03
